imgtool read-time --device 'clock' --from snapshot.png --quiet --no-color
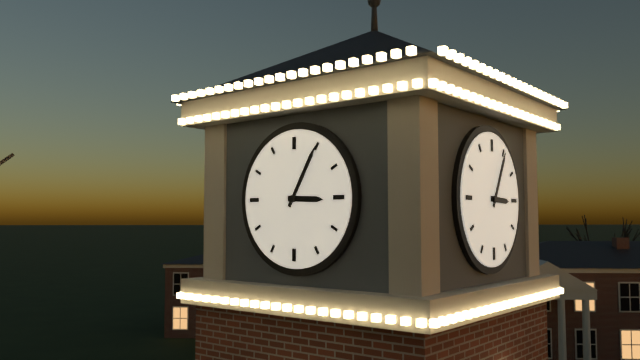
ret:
3:05
